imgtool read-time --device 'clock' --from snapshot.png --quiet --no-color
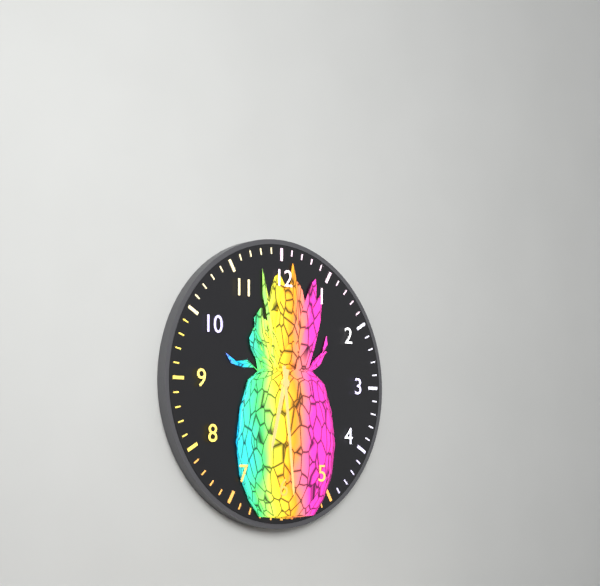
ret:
6:29
